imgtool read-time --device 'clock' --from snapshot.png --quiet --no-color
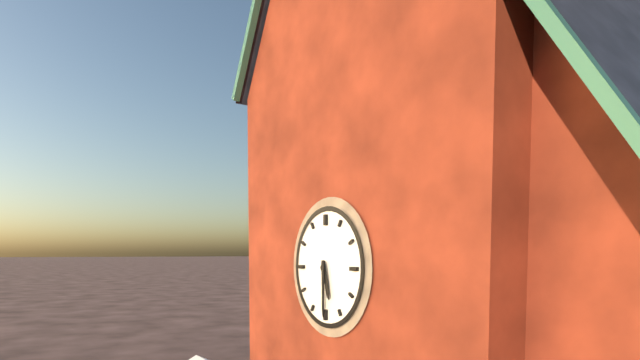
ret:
5:30
